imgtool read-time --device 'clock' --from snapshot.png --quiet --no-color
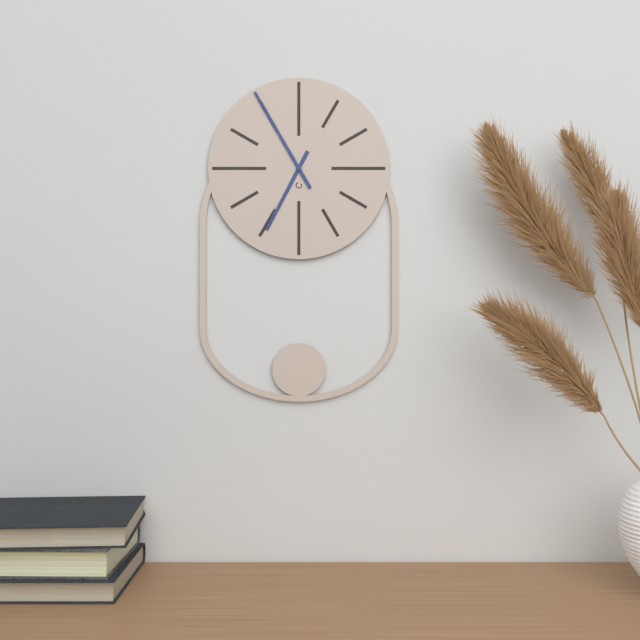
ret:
6:55
